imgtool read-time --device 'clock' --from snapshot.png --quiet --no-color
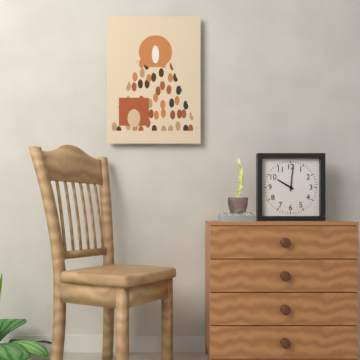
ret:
10:01
